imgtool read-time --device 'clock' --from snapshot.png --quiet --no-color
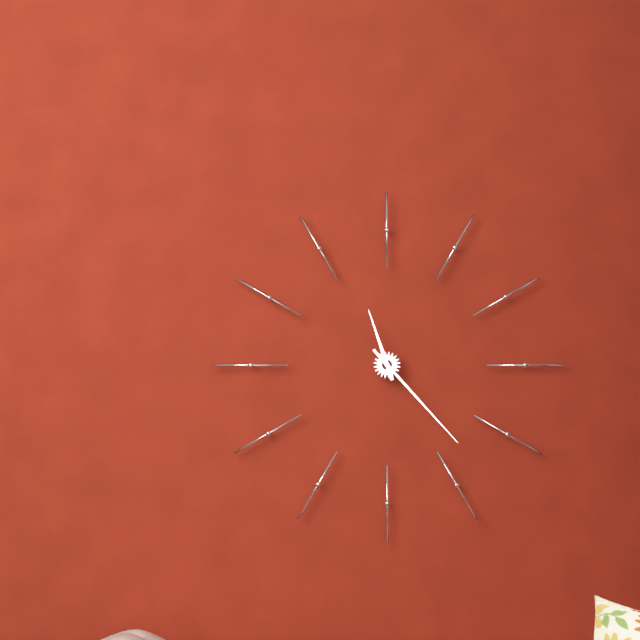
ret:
11:23
